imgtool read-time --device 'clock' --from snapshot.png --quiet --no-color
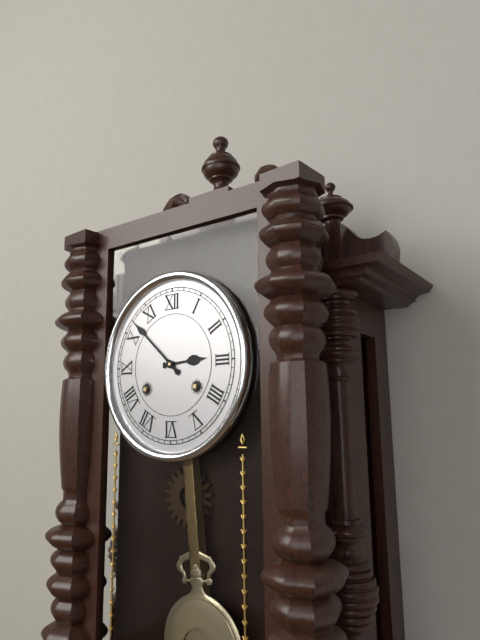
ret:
2:52
